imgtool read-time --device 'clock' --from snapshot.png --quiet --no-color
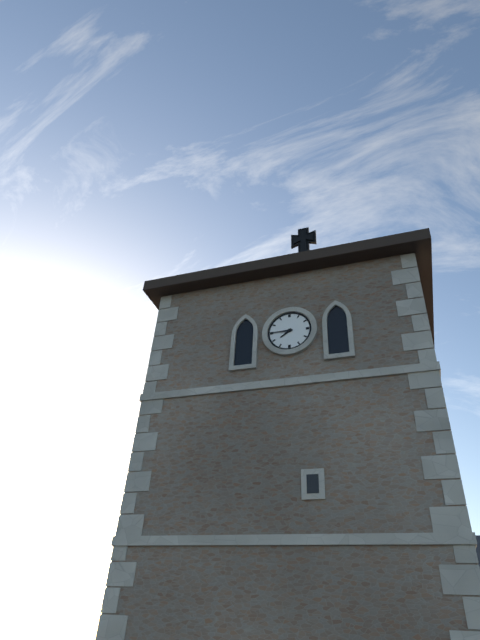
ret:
7:45
